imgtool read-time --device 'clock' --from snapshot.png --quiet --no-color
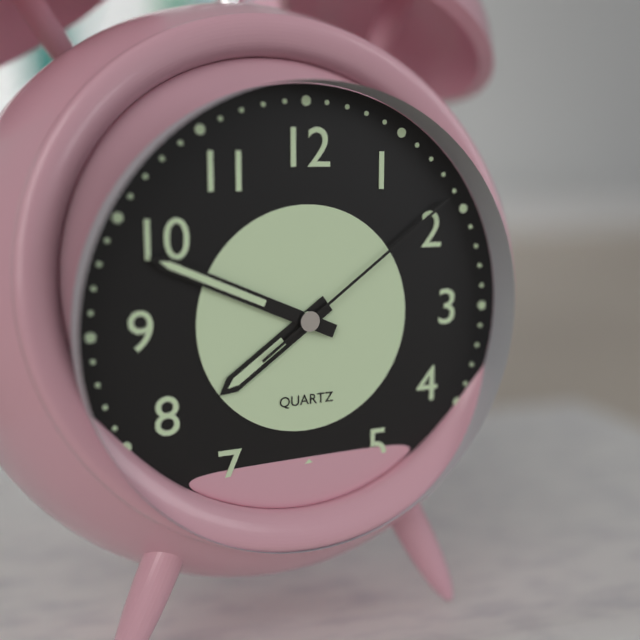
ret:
7:49:09
